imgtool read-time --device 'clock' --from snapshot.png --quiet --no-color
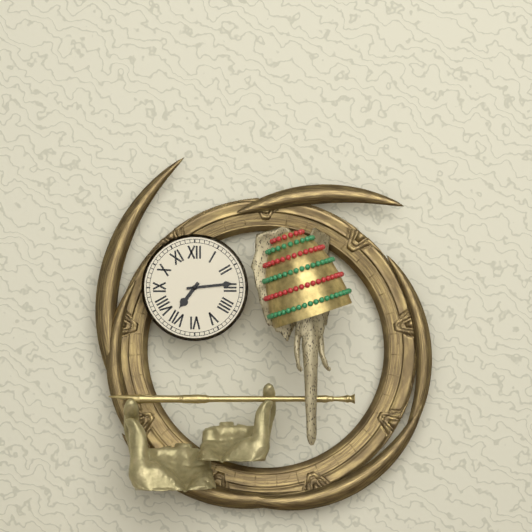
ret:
7:14
